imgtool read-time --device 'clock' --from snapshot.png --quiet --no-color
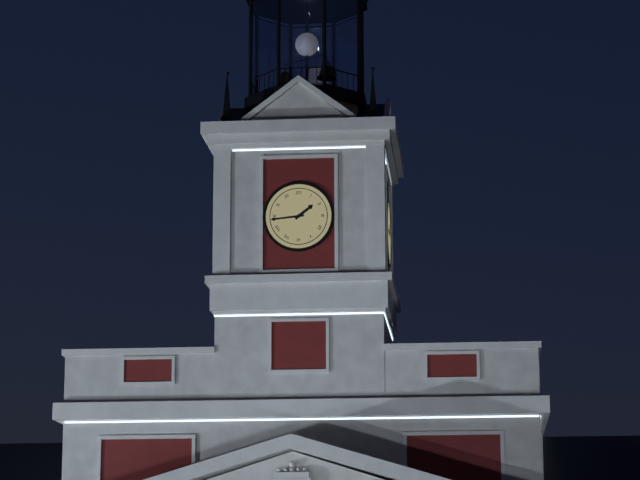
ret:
1:44
